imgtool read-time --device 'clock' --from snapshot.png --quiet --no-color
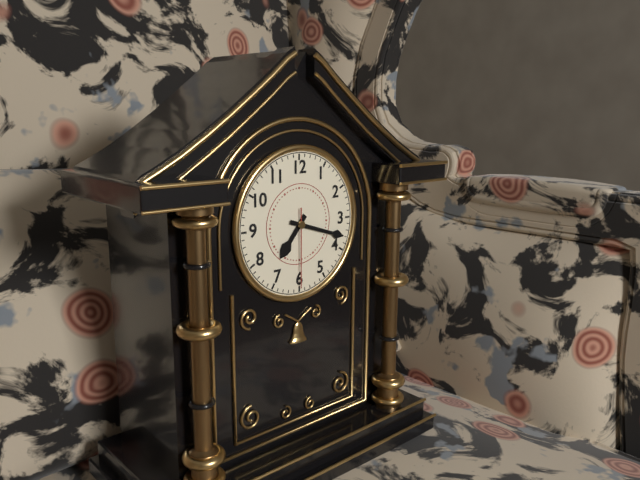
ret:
7:18:30
